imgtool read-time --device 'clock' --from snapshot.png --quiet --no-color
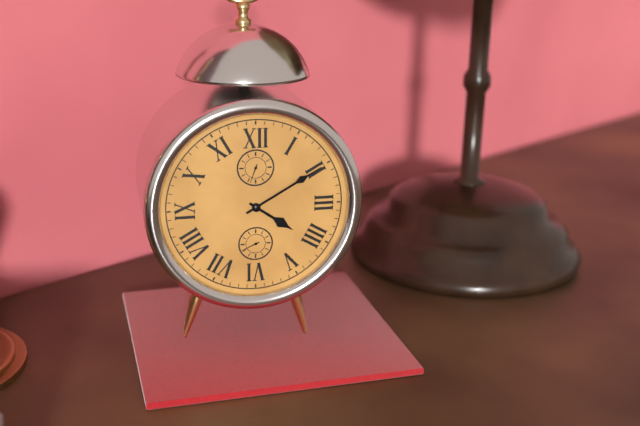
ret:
4:10
